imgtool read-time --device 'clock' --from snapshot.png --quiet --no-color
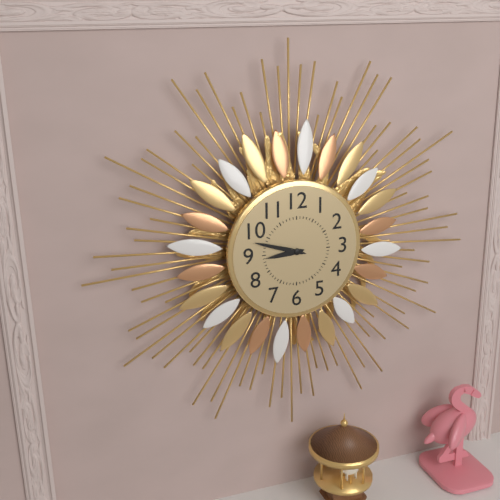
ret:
8:48
